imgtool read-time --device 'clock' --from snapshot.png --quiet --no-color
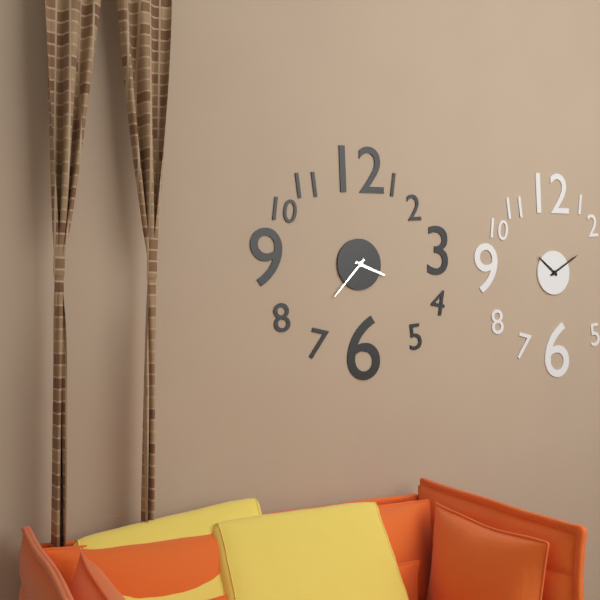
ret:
3:37
